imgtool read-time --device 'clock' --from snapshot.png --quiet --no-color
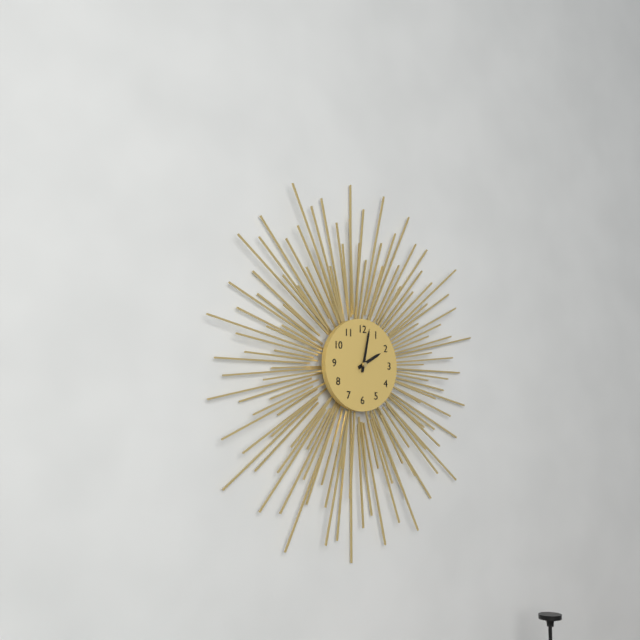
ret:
2:02
